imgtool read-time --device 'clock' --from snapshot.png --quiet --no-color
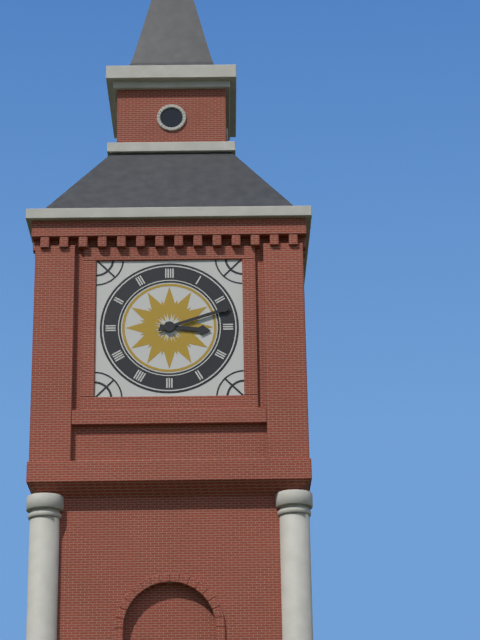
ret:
3:12
